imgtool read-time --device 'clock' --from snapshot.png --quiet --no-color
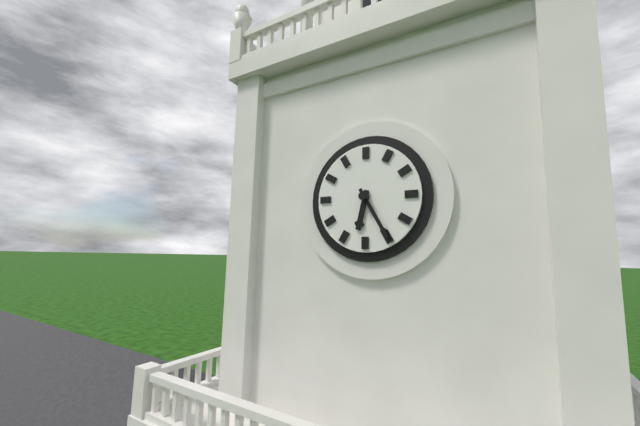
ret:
6:25
